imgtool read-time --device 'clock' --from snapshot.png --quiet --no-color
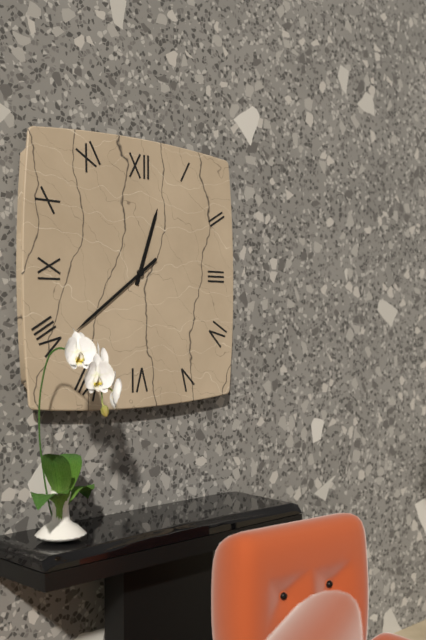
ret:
12:39
